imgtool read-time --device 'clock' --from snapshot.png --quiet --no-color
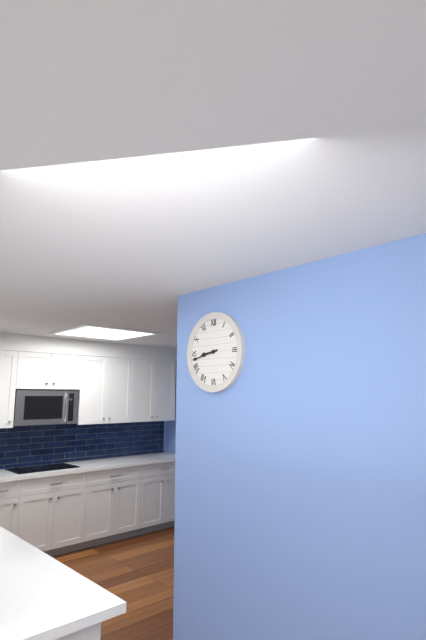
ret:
8:43
